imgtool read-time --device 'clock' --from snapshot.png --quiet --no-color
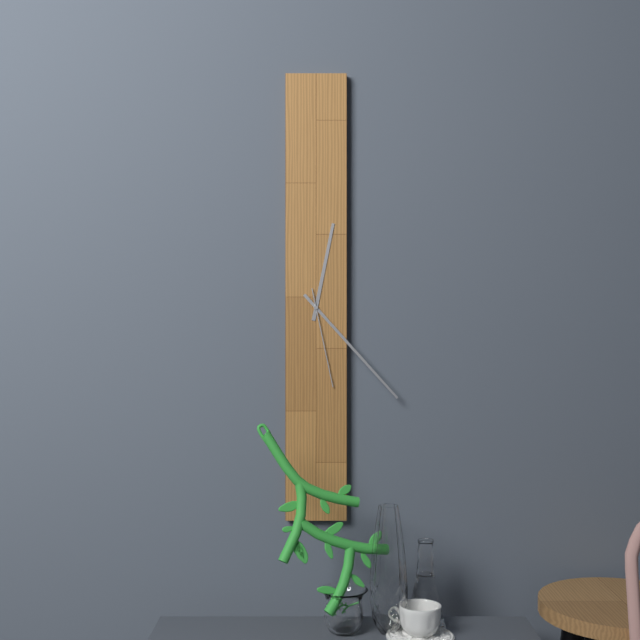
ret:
12:23:28
